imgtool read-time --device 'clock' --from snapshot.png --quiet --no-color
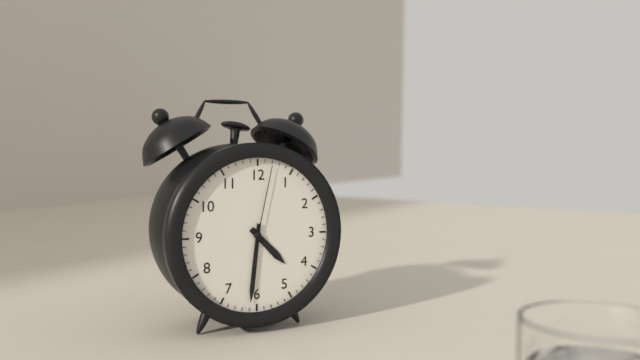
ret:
4:31:02
